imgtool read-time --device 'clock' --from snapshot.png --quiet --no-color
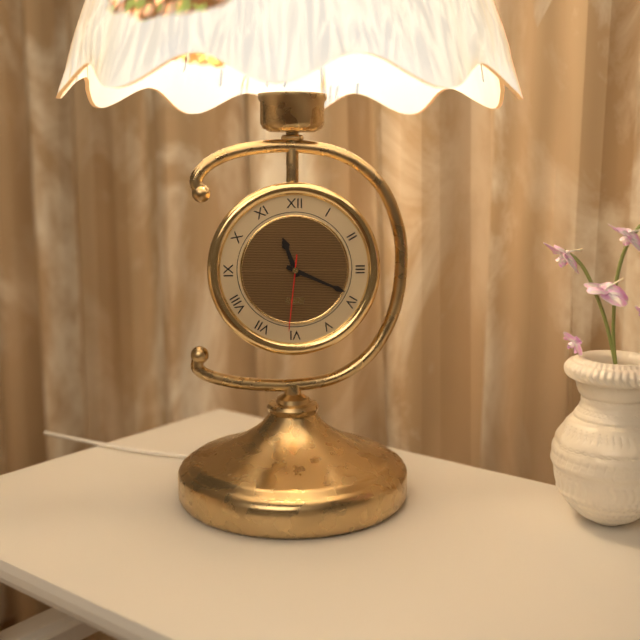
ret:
11:19:31
